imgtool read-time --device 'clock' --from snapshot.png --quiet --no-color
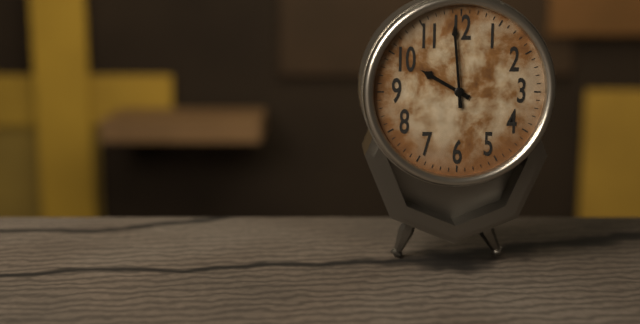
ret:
9:59
